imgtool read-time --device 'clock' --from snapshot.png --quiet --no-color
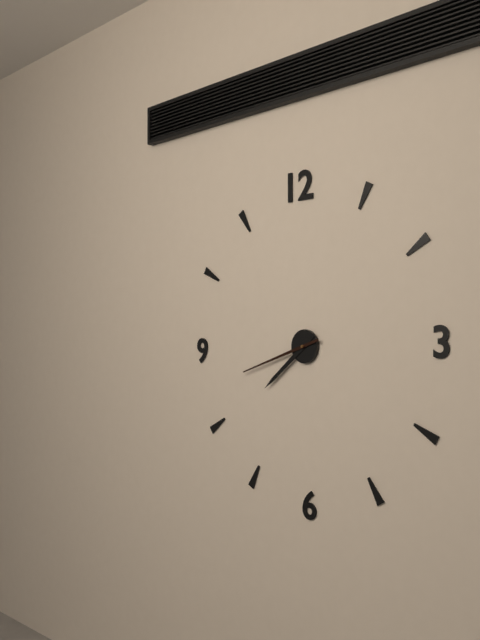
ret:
7:42
